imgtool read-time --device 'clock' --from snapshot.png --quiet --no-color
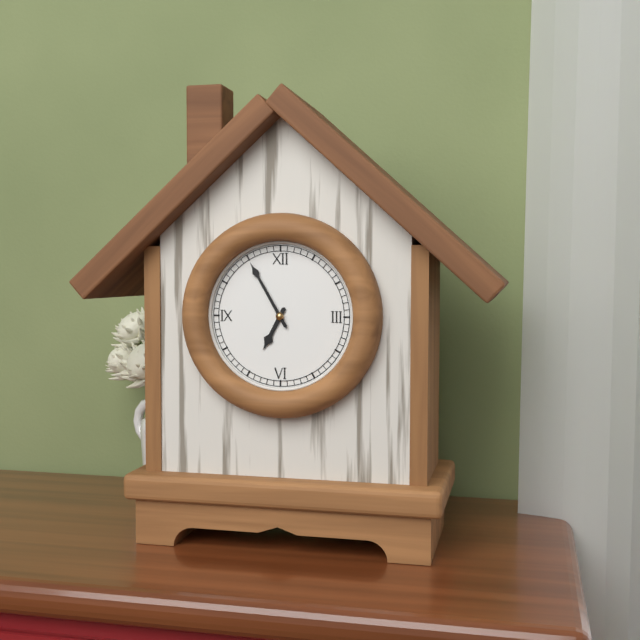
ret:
6:55
